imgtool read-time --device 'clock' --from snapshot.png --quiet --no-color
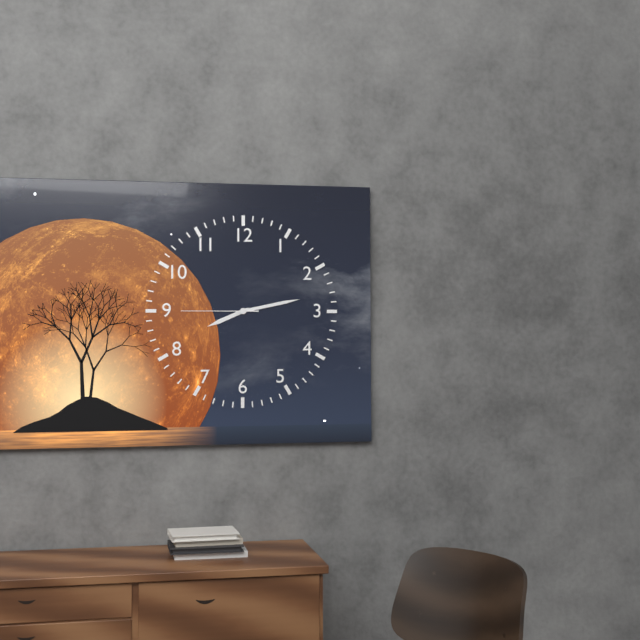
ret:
8:13:45
